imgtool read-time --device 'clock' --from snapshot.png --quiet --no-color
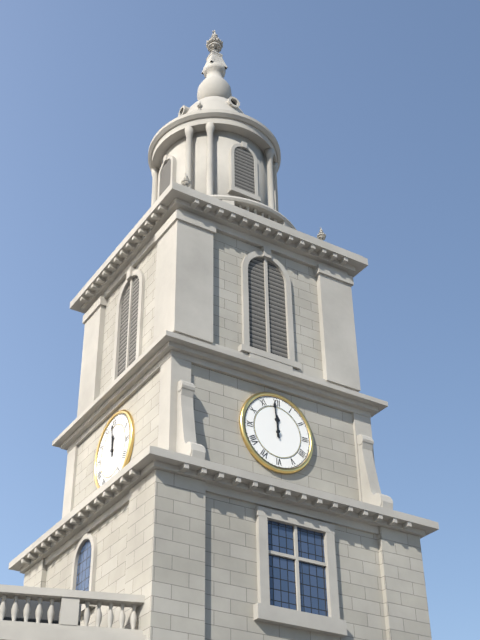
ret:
11:59
